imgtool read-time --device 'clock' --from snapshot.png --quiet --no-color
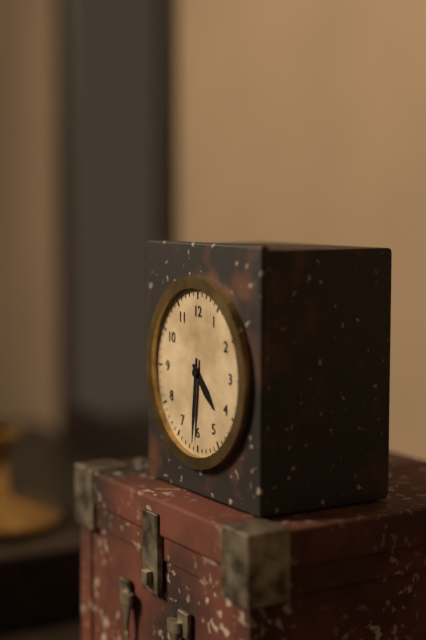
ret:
4:31
